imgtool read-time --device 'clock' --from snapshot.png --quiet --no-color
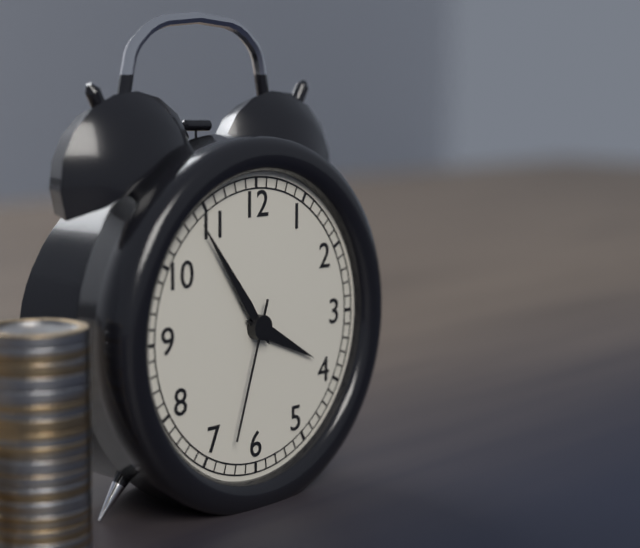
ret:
3:54:33
